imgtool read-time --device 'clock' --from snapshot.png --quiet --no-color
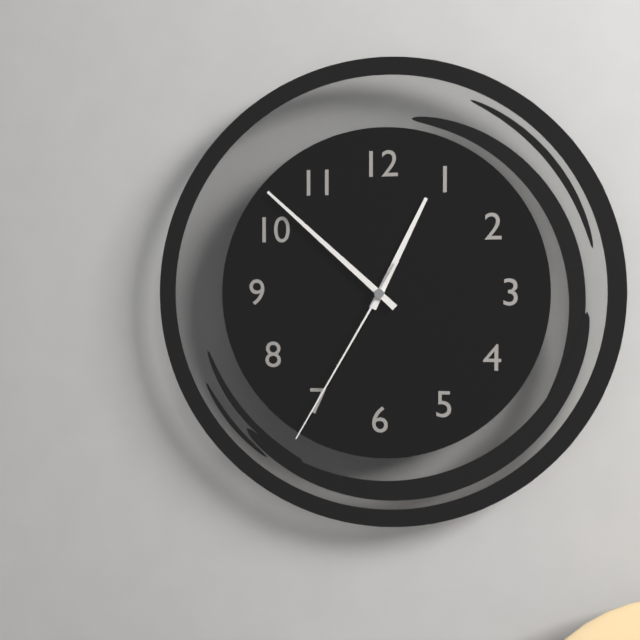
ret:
12:52:35
